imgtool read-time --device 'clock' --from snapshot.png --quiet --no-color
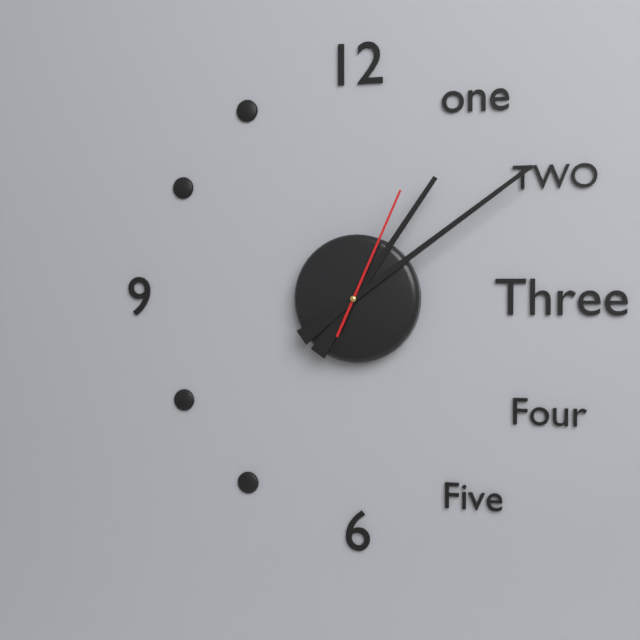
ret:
1:09:04
